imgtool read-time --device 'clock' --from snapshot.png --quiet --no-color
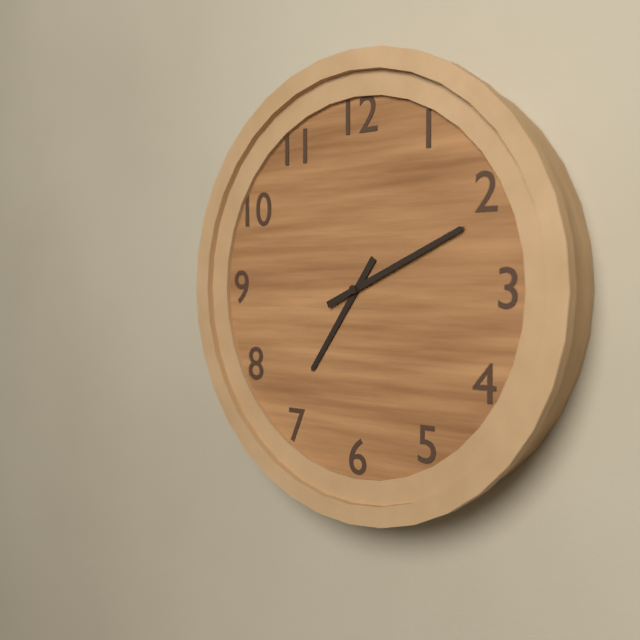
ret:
7:11
